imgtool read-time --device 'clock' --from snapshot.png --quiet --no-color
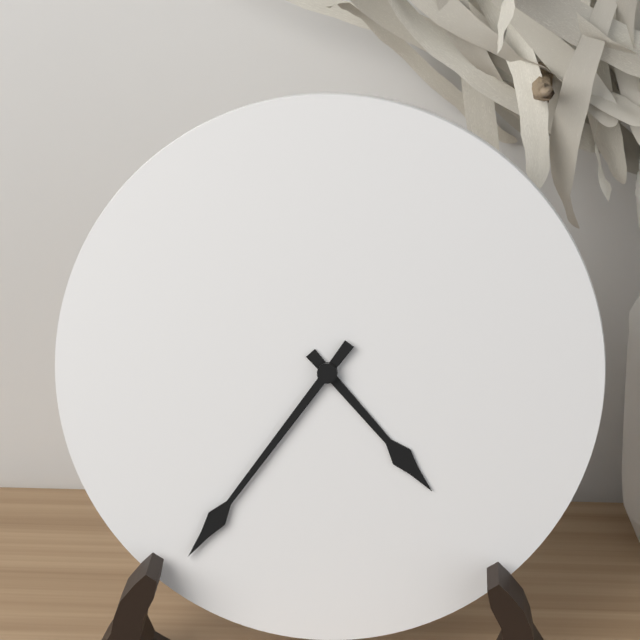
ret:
4:36
